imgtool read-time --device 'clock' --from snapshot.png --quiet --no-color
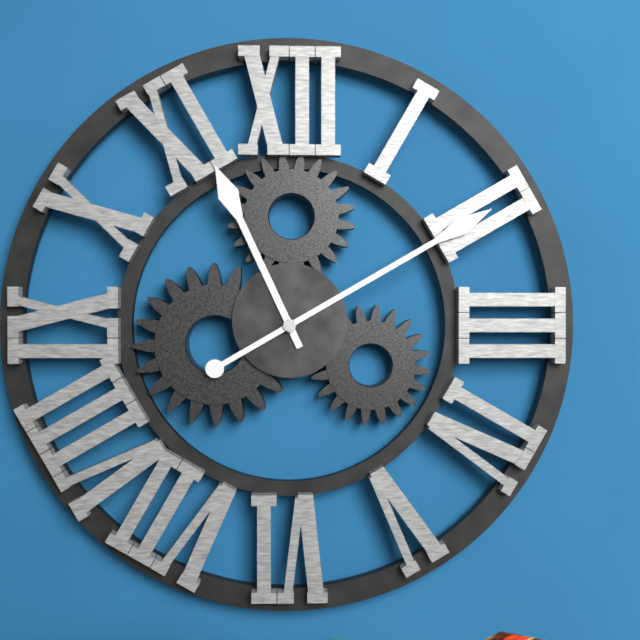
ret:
11:10
